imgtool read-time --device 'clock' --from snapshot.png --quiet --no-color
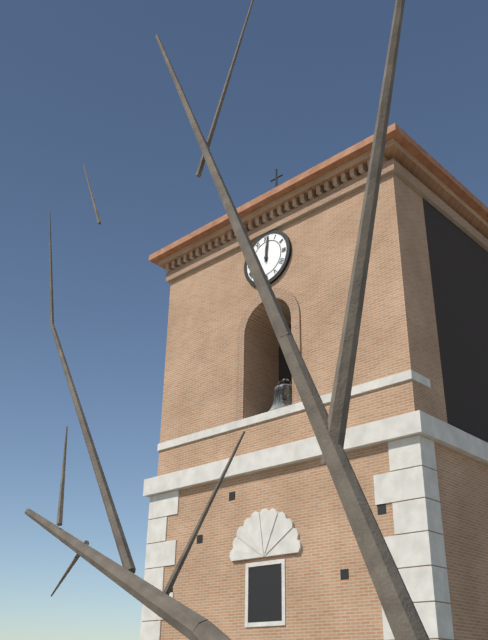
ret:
12:01
